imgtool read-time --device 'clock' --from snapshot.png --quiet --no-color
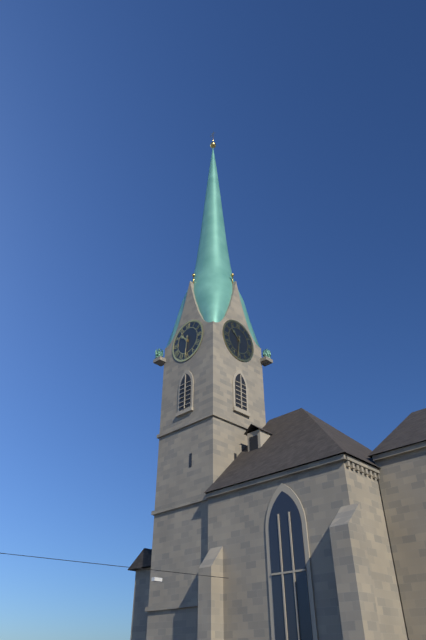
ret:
10:31
